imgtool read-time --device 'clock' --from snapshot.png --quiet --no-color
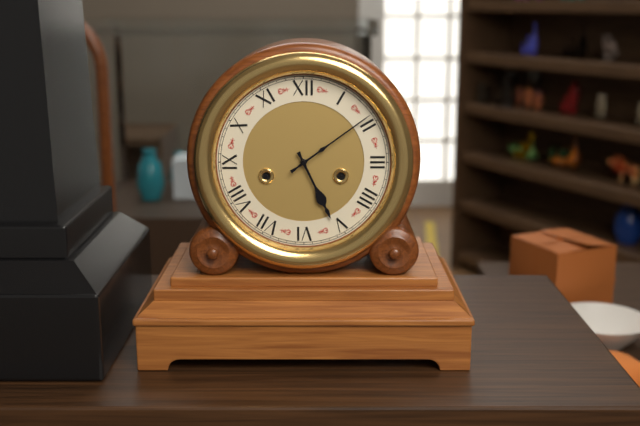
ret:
5:09
